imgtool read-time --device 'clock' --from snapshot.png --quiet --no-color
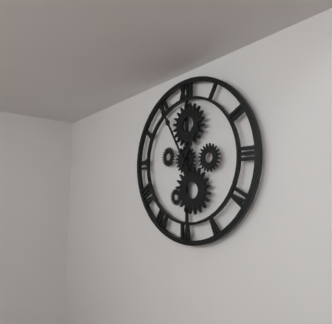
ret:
12:55
